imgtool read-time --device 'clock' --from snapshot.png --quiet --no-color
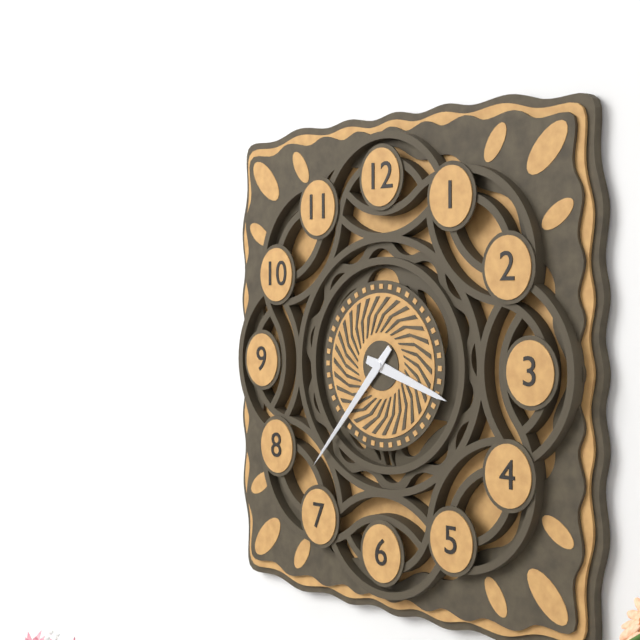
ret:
3:37
